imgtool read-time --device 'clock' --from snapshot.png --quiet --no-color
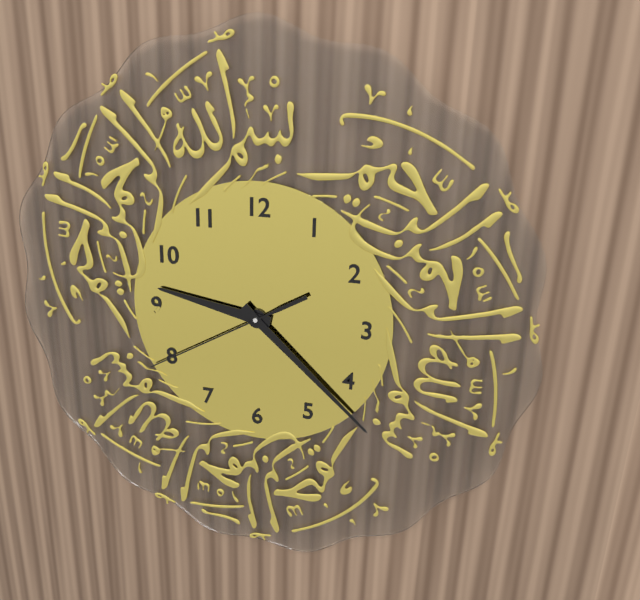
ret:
9:22:40
